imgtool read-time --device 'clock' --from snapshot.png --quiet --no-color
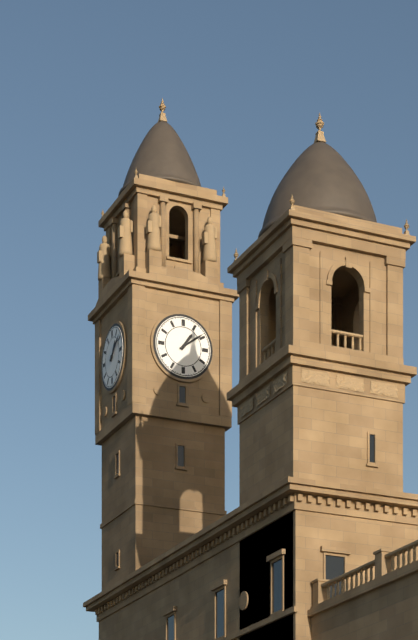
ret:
1:09
